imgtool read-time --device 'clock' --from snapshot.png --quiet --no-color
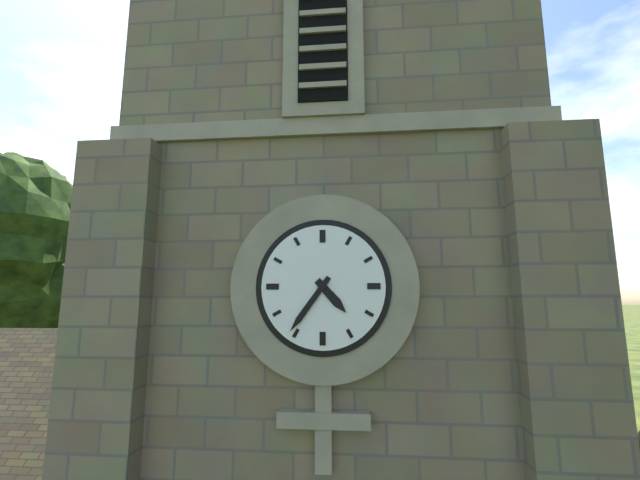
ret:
4:36
